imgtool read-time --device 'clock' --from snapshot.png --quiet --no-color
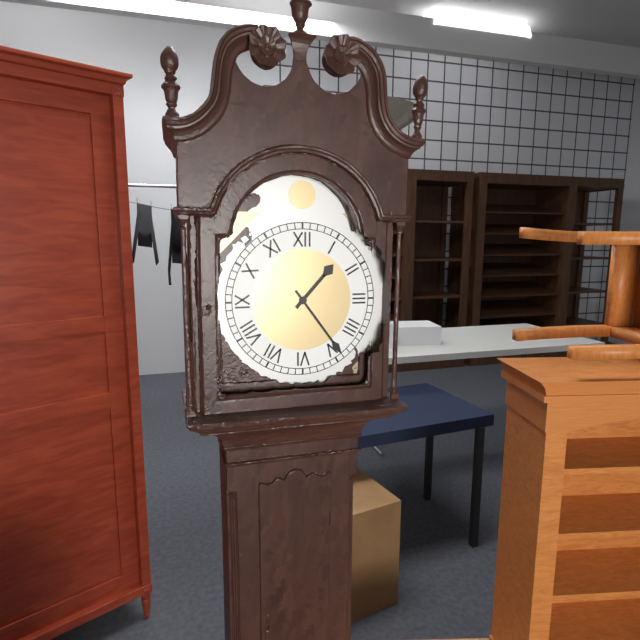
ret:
1:24
